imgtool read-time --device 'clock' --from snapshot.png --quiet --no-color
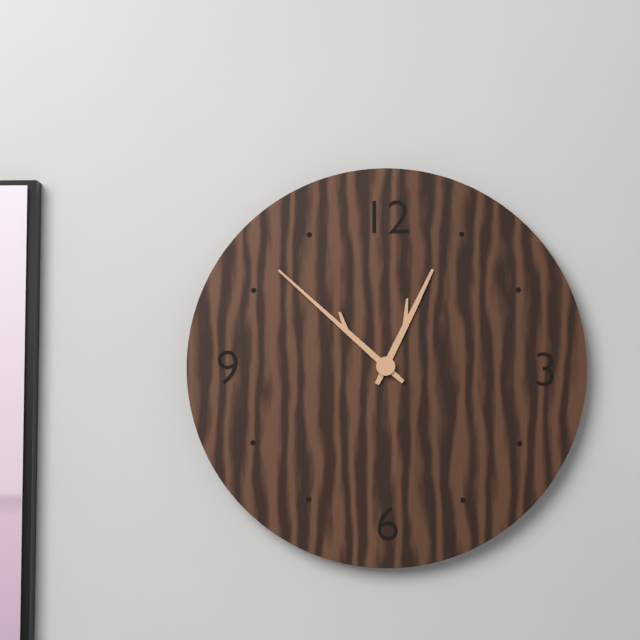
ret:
12:52
